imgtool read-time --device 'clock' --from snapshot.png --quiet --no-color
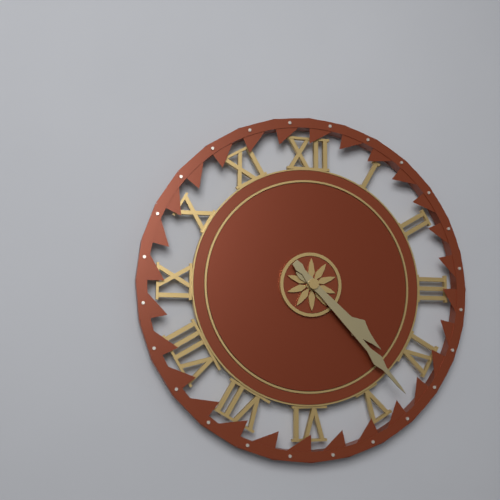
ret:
4:23
